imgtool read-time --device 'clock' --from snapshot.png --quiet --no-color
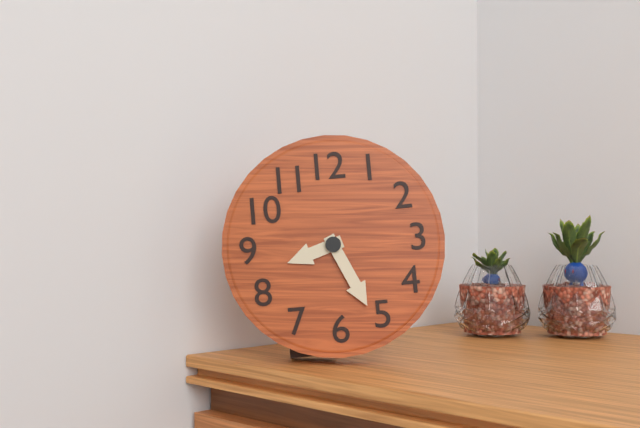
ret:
8:26
